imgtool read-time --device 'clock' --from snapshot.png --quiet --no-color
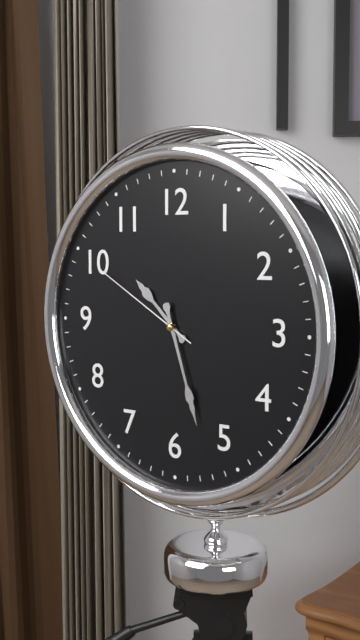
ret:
10:27:50
